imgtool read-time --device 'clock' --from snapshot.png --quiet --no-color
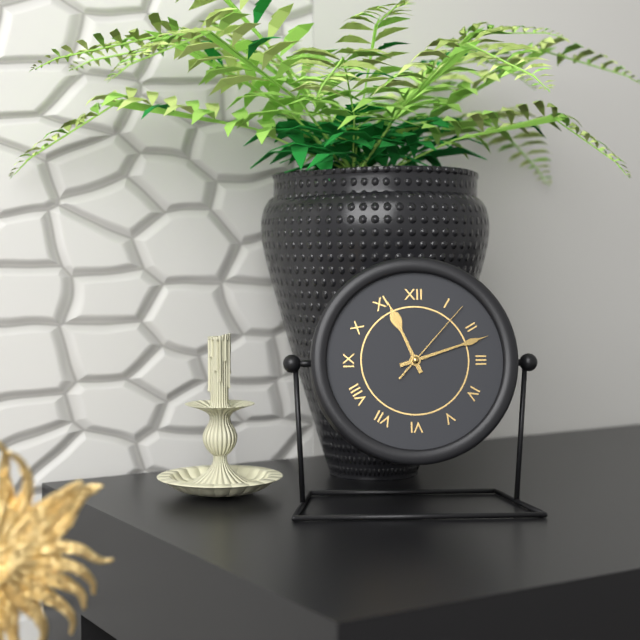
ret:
11:12:07
